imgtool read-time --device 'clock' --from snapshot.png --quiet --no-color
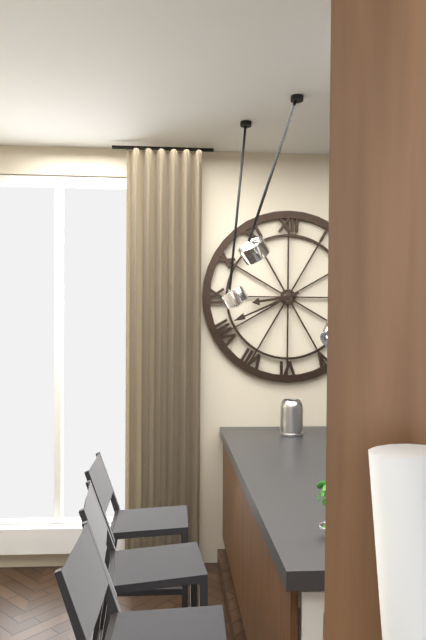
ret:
8:41
